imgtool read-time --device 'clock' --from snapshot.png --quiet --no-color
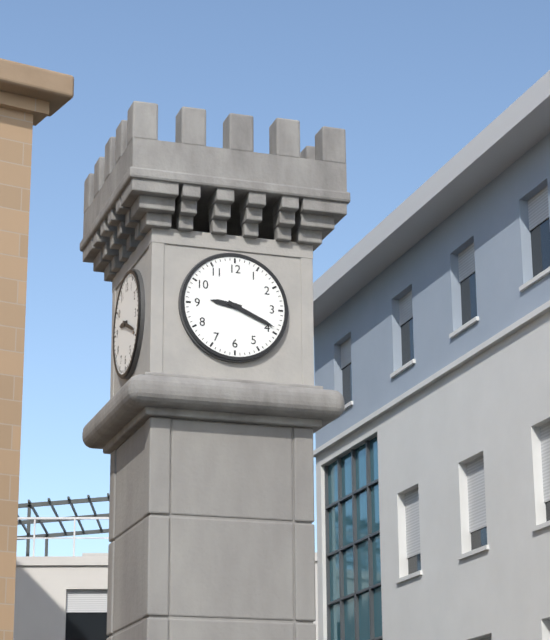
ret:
9:19
